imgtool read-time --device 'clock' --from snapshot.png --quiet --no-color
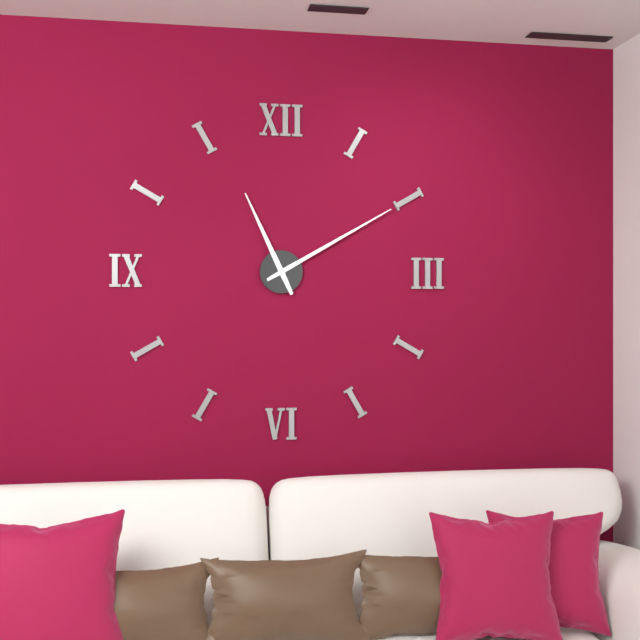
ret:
11:10
